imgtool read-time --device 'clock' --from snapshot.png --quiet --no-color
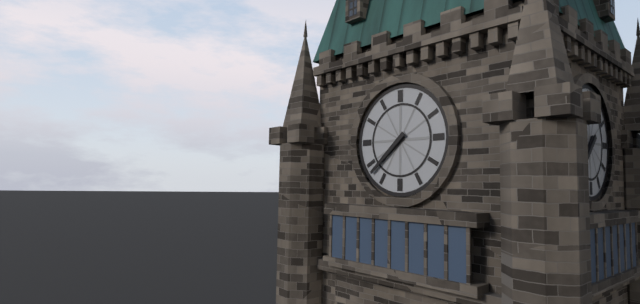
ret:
7:38
